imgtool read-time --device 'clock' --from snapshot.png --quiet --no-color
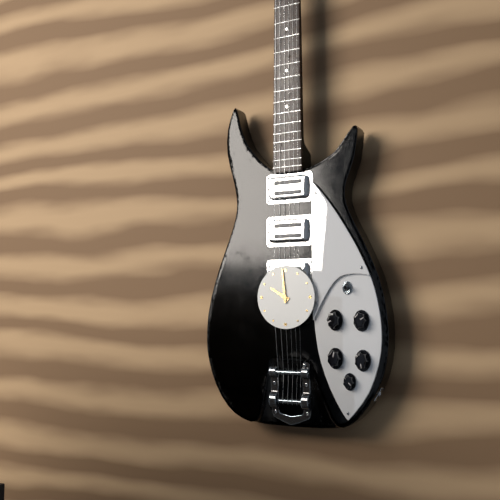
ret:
9:59
